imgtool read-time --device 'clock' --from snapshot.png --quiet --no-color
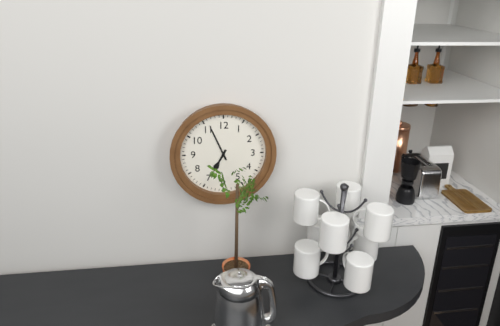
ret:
6:56
